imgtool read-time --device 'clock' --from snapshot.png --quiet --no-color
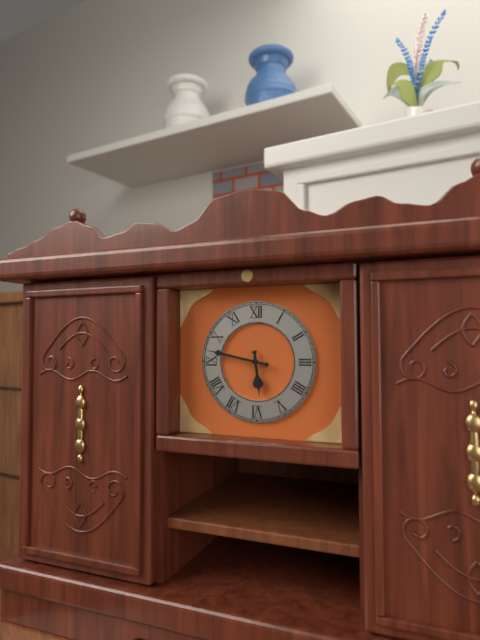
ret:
5:47
